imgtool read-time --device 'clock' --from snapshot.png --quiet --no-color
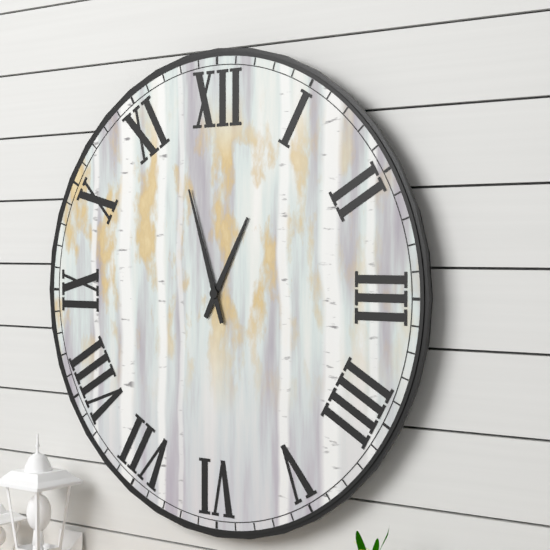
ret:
12:57
